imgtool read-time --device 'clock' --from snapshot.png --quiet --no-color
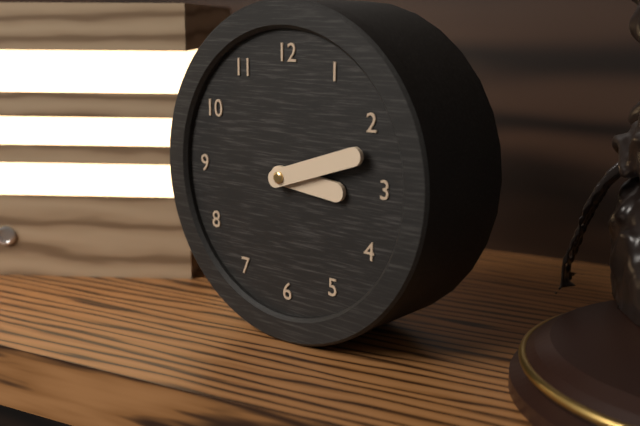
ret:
3:12
